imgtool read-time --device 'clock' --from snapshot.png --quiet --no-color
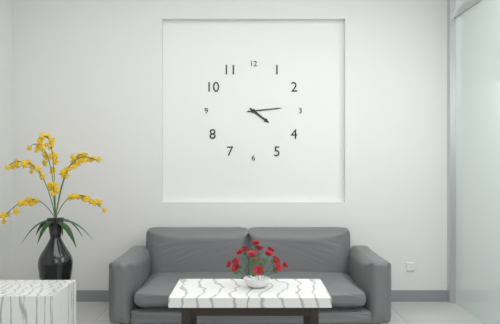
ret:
4:14
